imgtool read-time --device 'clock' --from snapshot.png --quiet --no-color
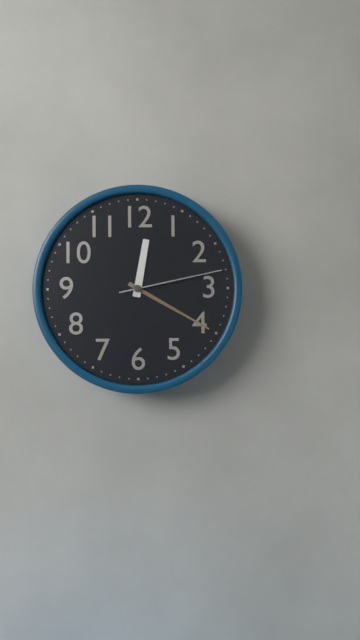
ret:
12:20:13
